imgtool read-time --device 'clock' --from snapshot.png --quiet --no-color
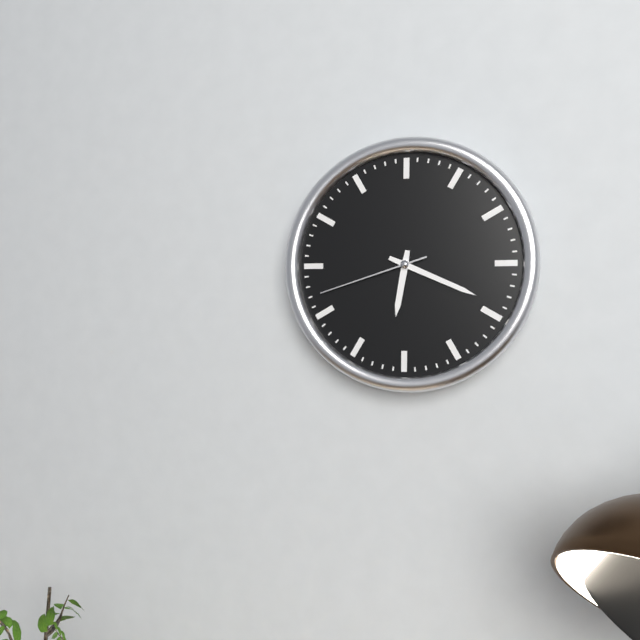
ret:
6:19:42
